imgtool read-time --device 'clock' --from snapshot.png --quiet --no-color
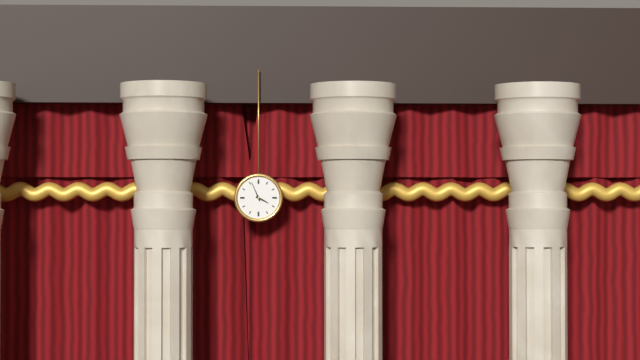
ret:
3:56
